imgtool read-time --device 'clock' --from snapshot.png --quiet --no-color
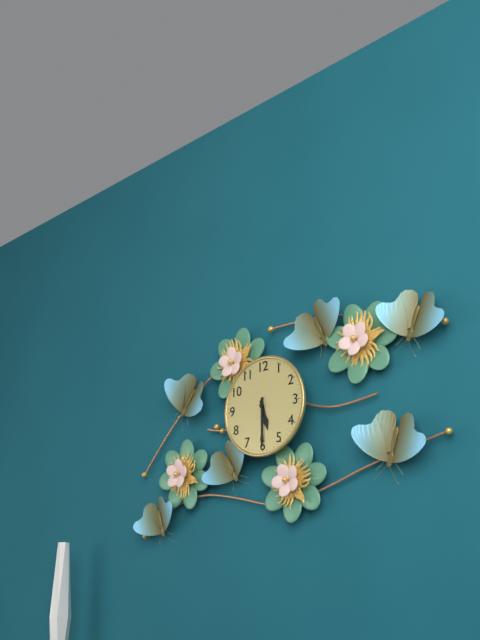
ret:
5:30
